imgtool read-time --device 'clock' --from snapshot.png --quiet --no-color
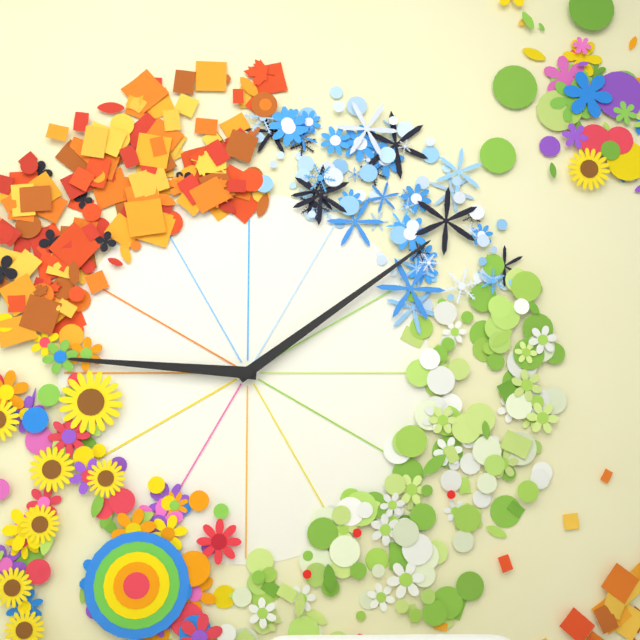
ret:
9:09
